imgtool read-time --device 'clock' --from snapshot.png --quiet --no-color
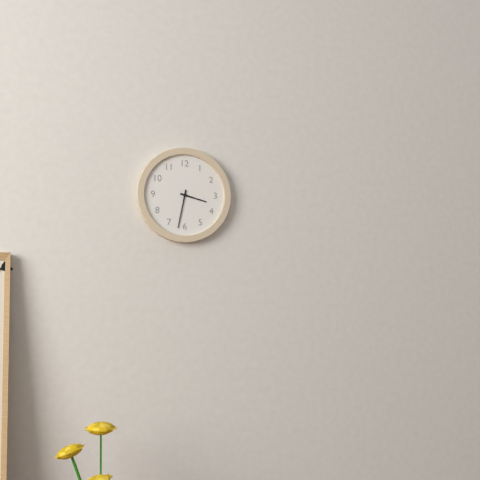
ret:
3:32
